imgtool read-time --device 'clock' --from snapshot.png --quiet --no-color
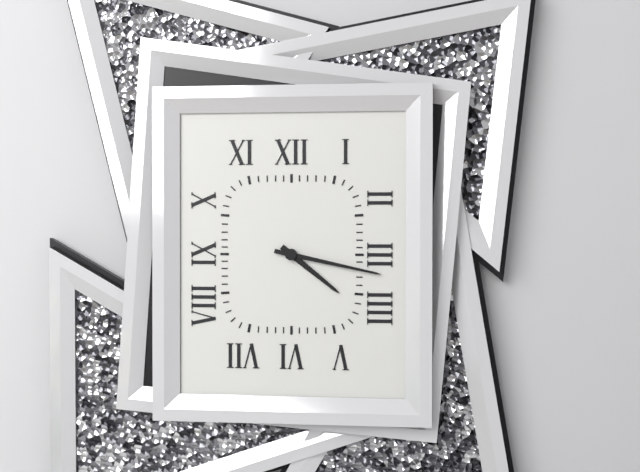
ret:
4:17
